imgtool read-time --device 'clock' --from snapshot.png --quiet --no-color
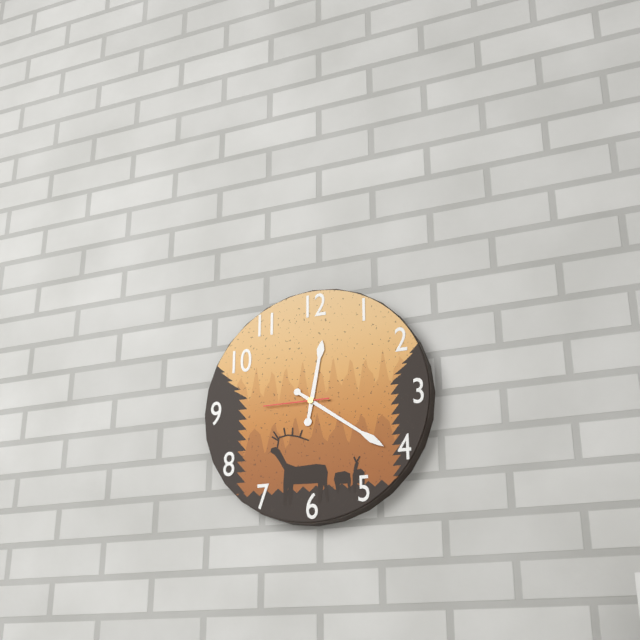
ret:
12:21:45
